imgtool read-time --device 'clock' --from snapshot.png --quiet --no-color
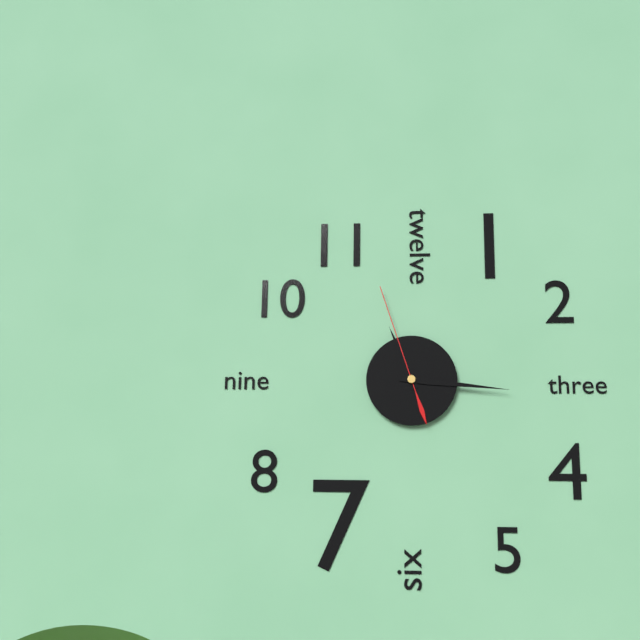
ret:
11:16:57
